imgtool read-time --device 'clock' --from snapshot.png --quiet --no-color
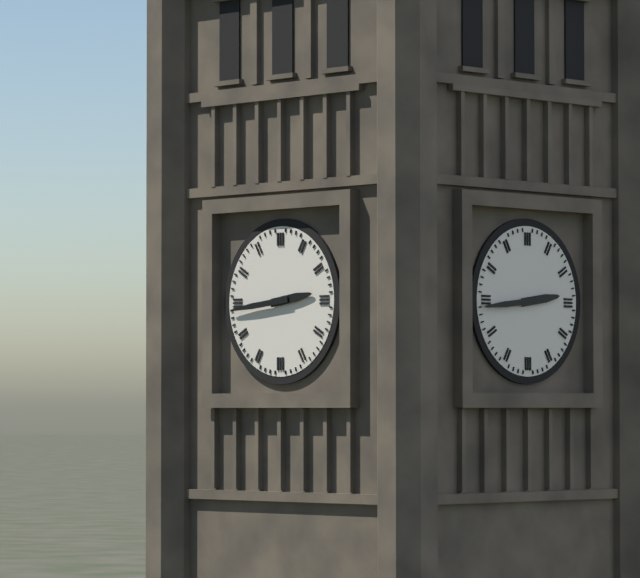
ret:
2:44
